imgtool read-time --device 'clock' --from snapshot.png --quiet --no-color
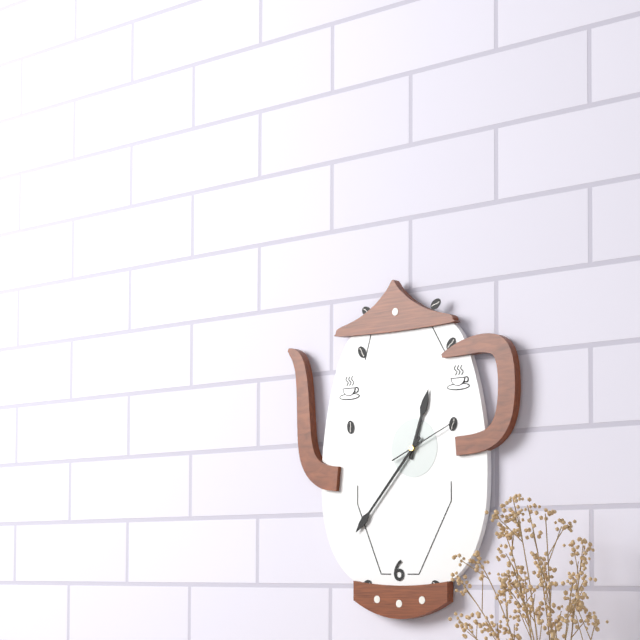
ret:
12:37:11
